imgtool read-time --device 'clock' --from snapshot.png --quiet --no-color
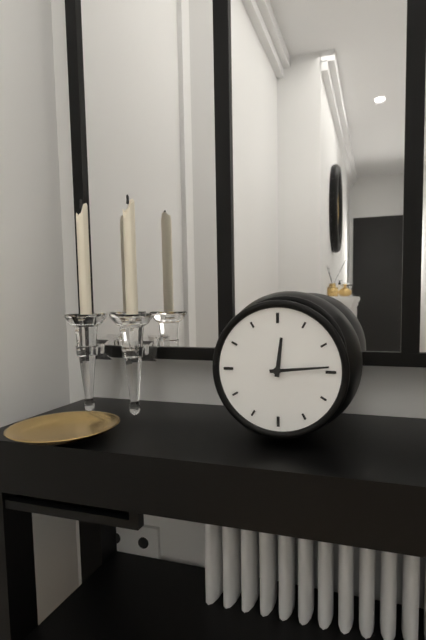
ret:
12:14
